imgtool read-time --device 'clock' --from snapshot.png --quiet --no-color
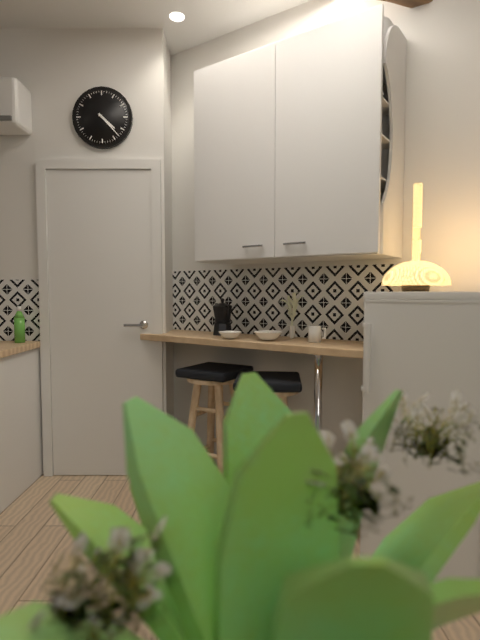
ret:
4:23
